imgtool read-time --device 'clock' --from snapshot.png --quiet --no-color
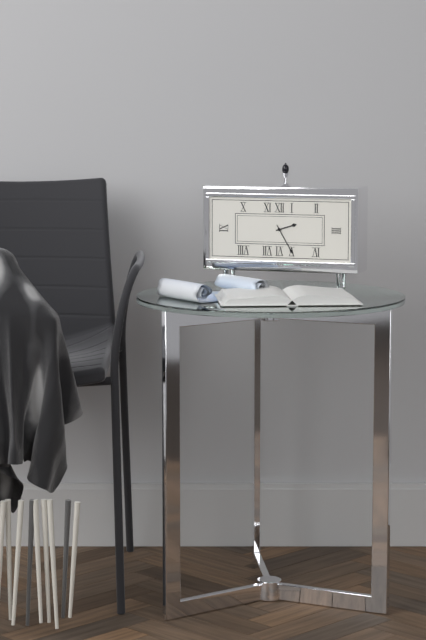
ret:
2:25
